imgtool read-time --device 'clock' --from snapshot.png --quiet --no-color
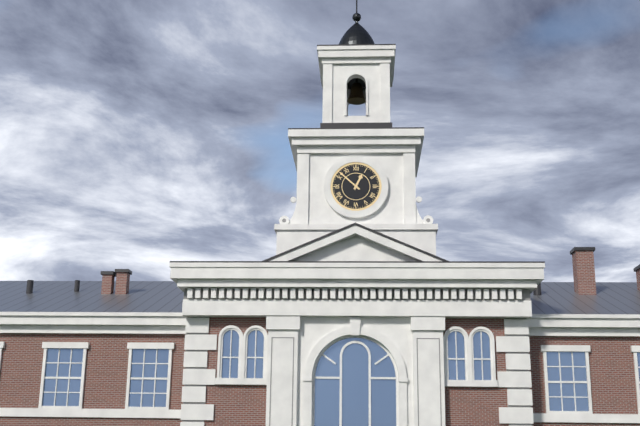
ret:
12:52
